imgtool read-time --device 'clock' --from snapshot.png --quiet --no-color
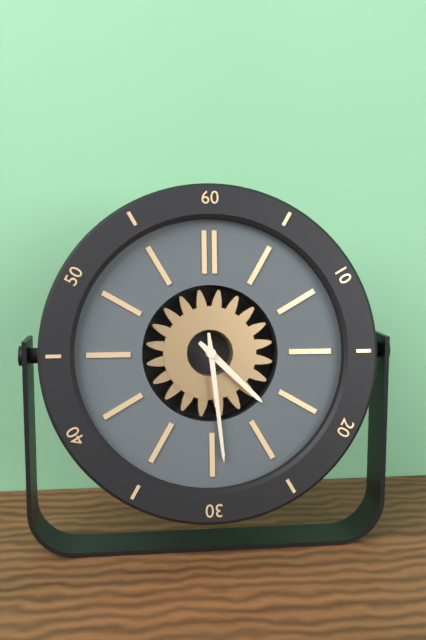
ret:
4:29
